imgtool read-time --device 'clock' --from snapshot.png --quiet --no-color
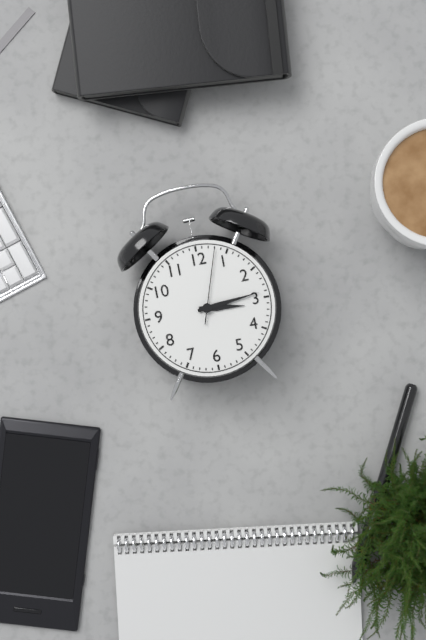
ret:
3:14:03
